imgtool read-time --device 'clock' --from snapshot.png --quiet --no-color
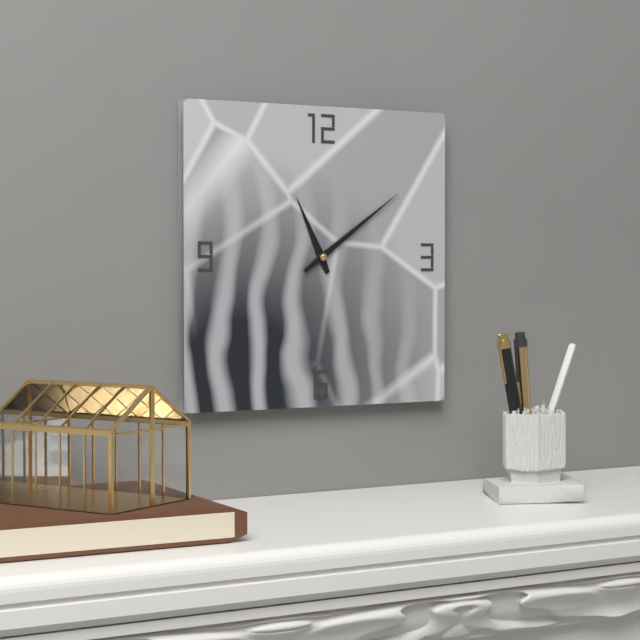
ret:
11:09
